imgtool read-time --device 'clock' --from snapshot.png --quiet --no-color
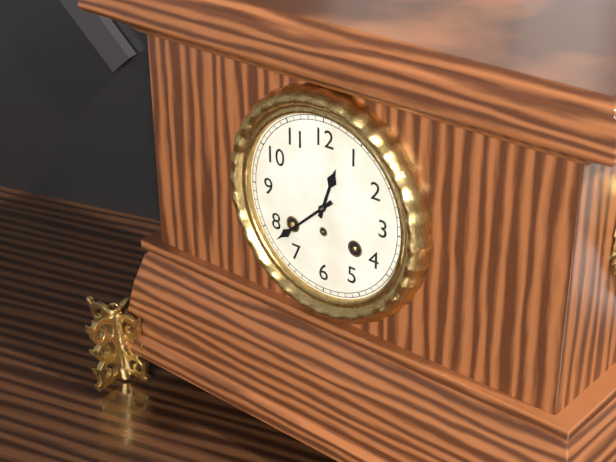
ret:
12:38
